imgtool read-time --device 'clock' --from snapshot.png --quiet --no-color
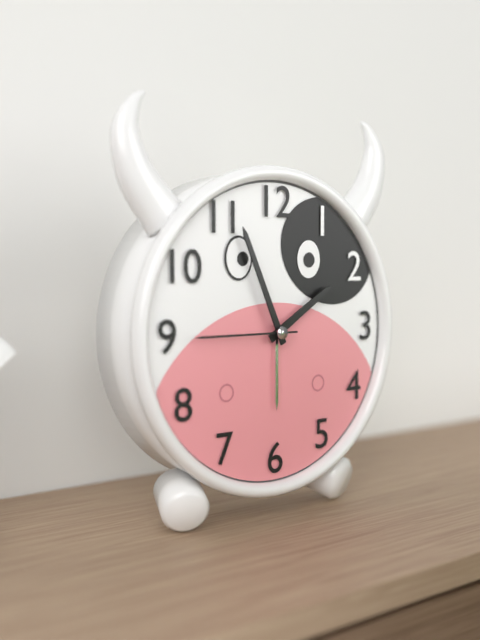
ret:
1:56:45
